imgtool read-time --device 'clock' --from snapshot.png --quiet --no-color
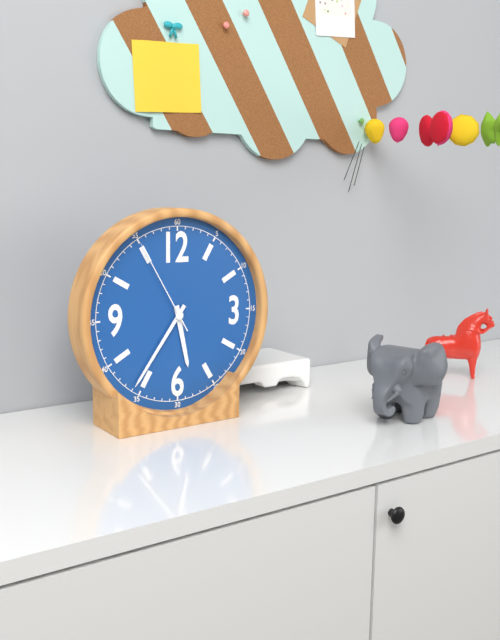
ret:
5:36:55
